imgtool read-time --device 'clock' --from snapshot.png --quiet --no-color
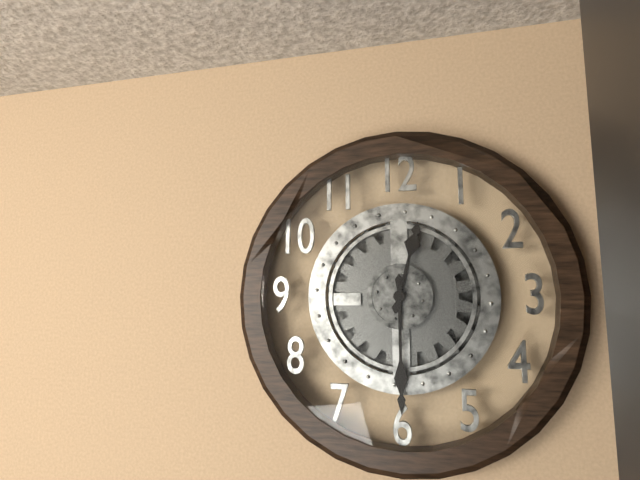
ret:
12:30
